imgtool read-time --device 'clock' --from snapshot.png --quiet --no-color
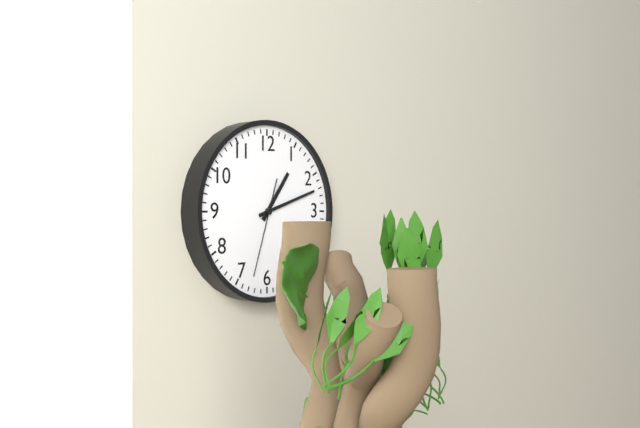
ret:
1:12:33
